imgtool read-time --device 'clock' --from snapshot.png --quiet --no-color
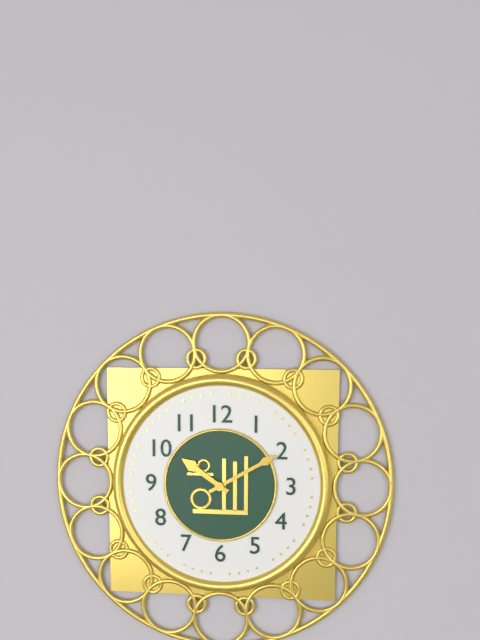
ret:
10:10
